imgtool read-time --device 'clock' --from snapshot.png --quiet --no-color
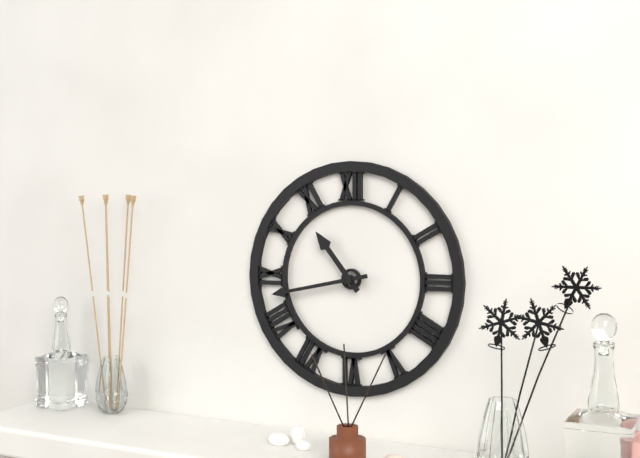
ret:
10:43
